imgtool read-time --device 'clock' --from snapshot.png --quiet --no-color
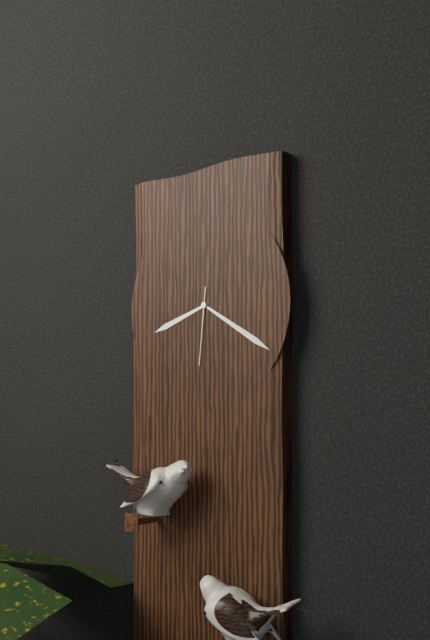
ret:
8:20:31
